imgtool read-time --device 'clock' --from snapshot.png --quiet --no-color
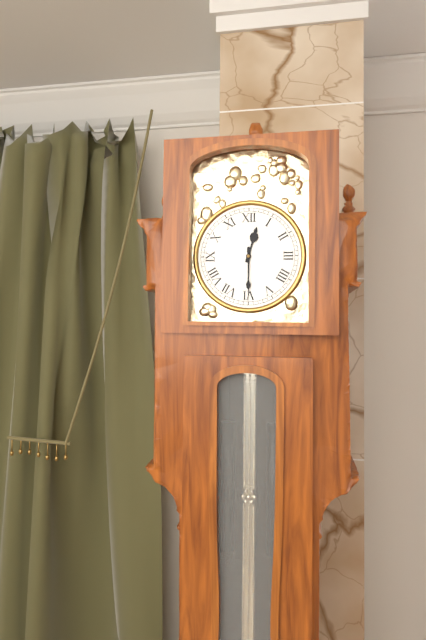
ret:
12:30
